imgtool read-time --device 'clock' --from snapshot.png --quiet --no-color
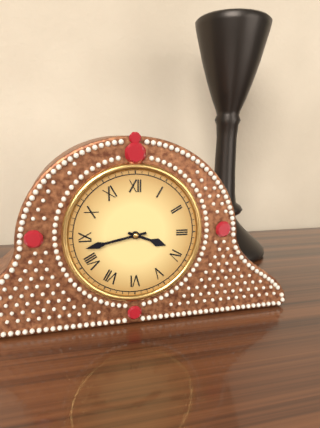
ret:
3:43
